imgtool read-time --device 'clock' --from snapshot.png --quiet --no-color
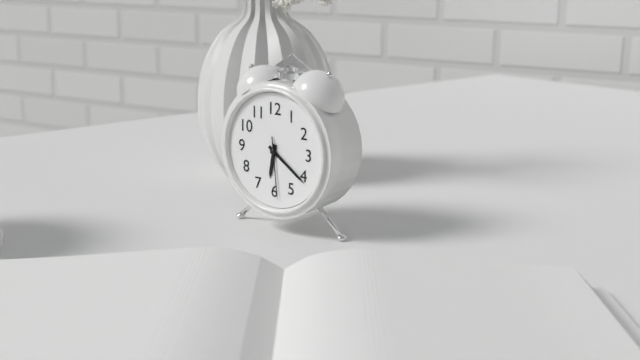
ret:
6:21:29
